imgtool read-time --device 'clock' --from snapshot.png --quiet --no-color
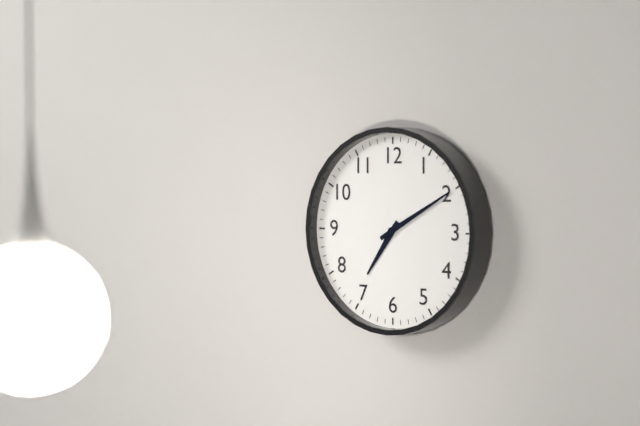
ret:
7:10
